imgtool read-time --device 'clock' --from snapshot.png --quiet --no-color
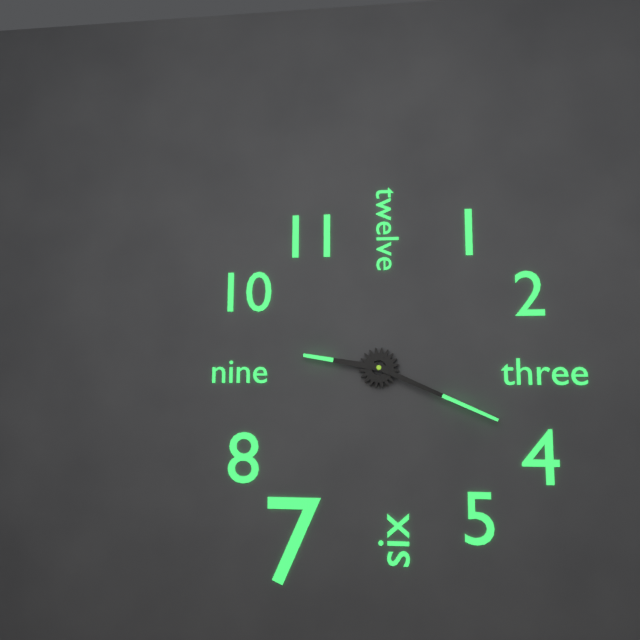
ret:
9:19
